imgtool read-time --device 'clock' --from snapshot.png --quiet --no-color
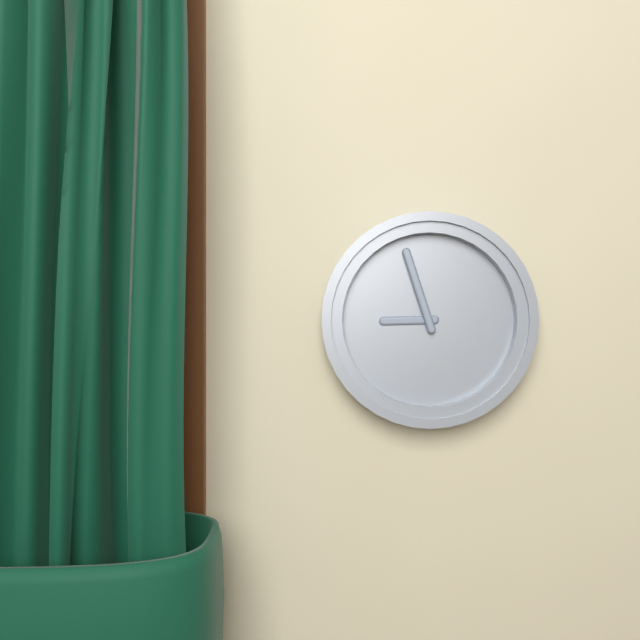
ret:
8:57
